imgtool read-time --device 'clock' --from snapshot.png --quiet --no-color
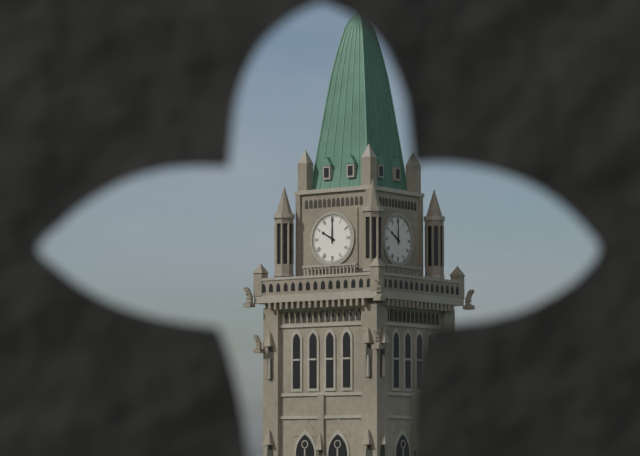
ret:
10:00
